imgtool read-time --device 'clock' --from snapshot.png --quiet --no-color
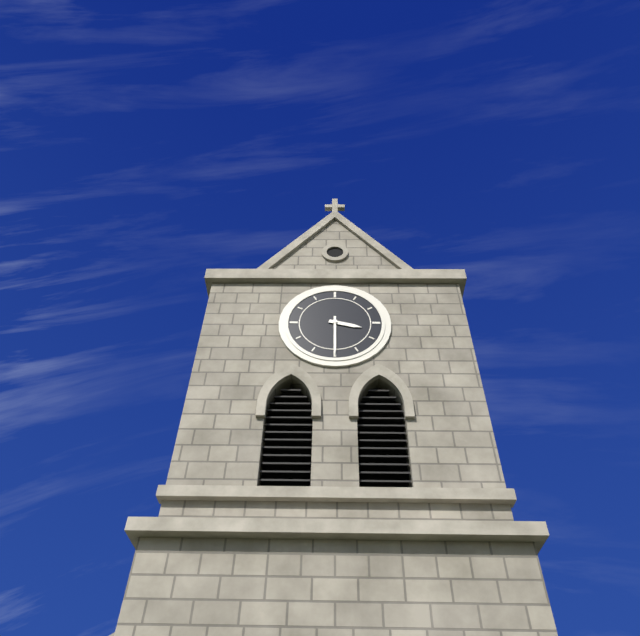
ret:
3:30
